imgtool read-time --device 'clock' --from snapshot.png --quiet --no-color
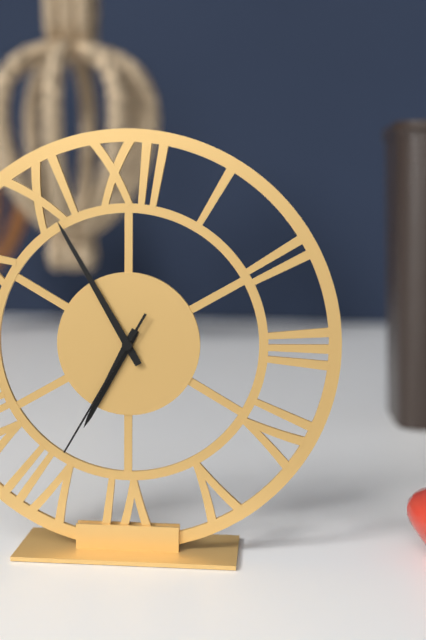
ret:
6:55:35
